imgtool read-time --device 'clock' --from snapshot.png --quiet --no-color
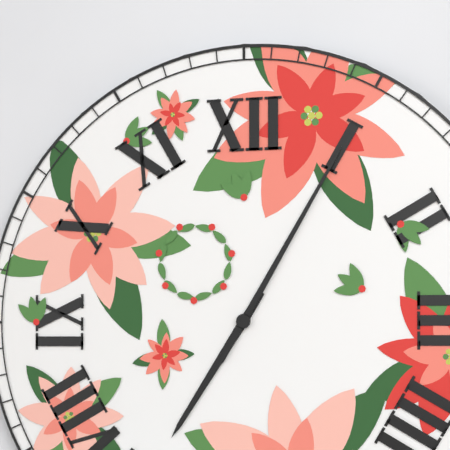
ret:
7:05
